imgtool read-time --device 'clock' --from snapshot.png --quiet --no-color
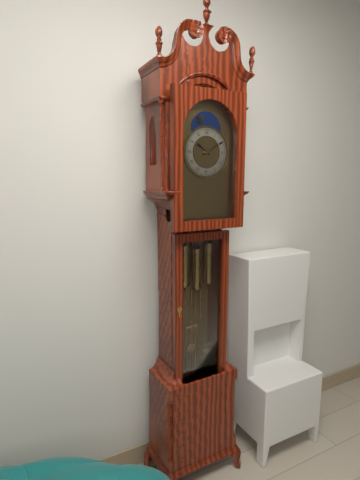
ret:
10:10
